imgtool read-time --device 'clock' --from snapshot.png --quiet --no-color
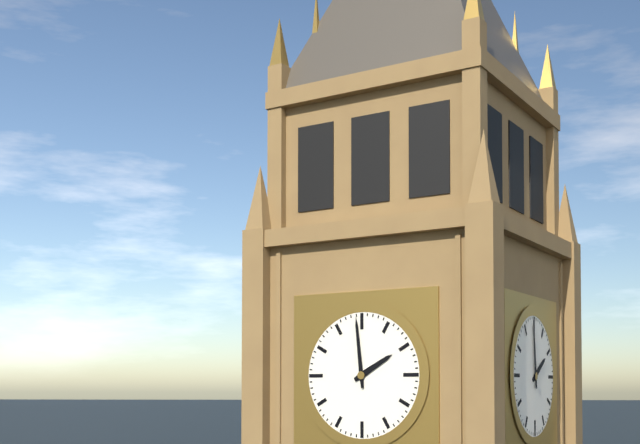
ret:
1:59
